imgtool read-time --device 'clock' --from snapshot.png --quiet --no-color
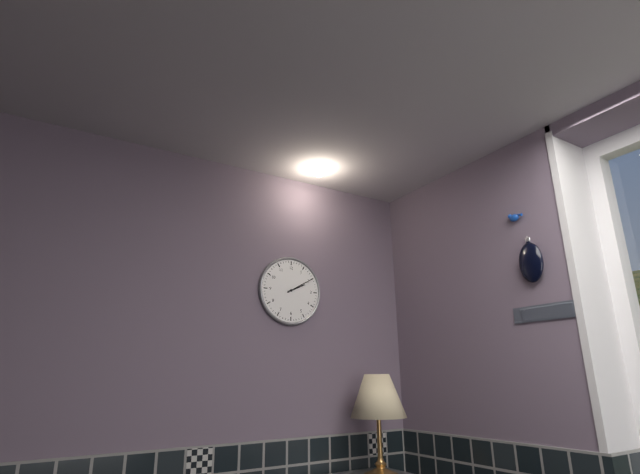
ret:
2:10
